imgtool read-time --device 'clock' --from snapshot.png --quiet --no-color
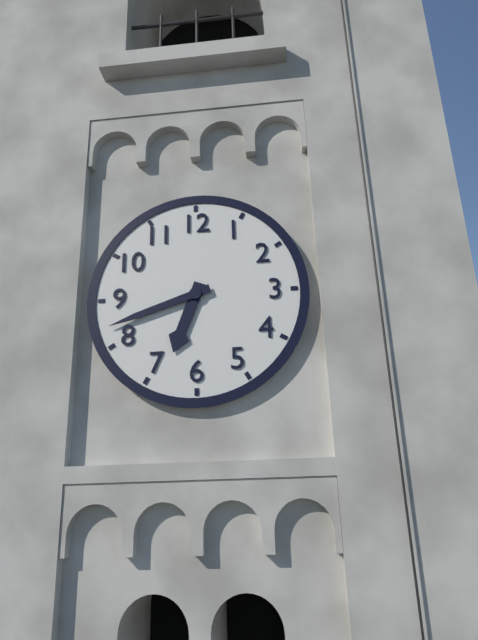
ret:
6:42
